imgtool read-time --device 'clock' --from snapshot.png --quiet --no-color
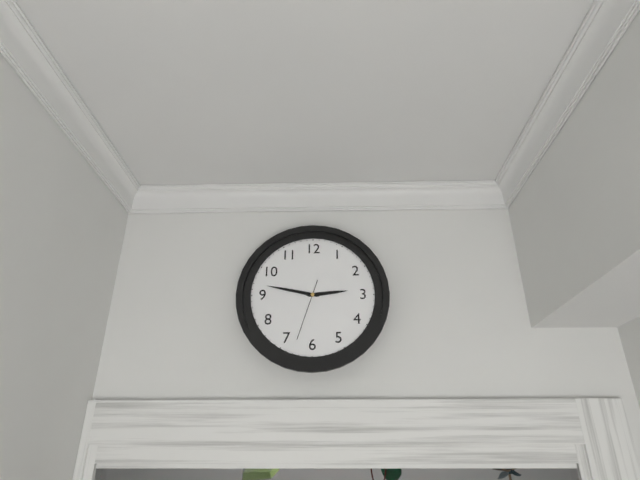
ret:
2:47:33
